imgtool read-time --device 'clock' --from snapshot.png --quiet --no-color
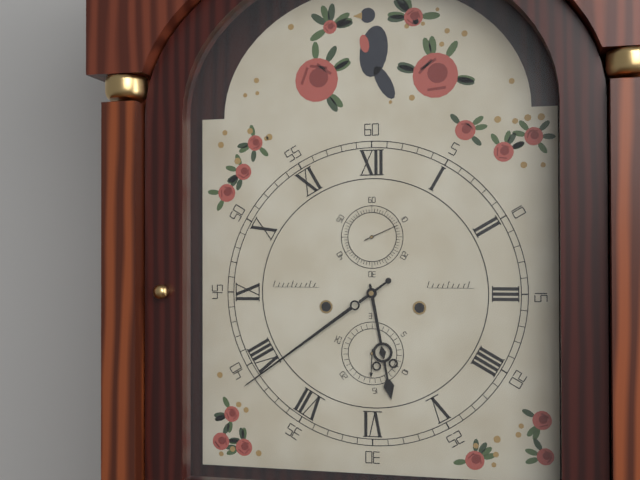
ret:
5:39
